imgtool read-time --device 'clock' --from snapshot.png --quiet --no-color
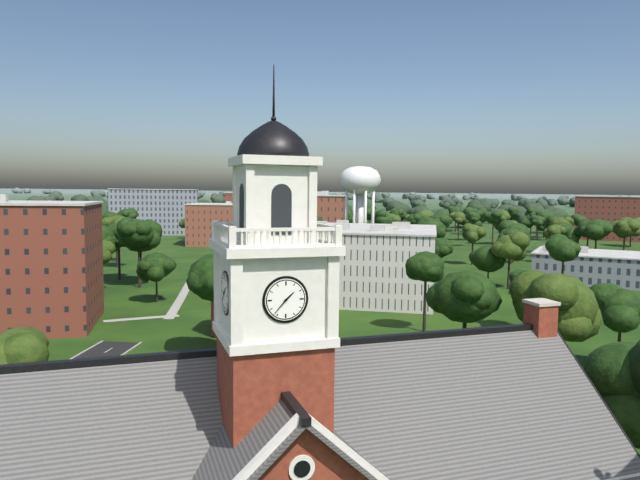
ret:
1:37
